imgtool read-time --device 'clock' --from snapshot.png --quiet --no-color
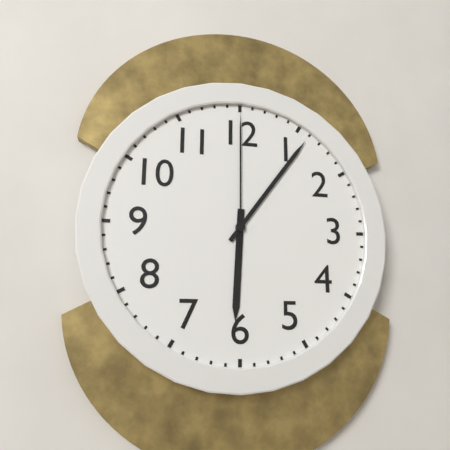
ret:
6:06:00
